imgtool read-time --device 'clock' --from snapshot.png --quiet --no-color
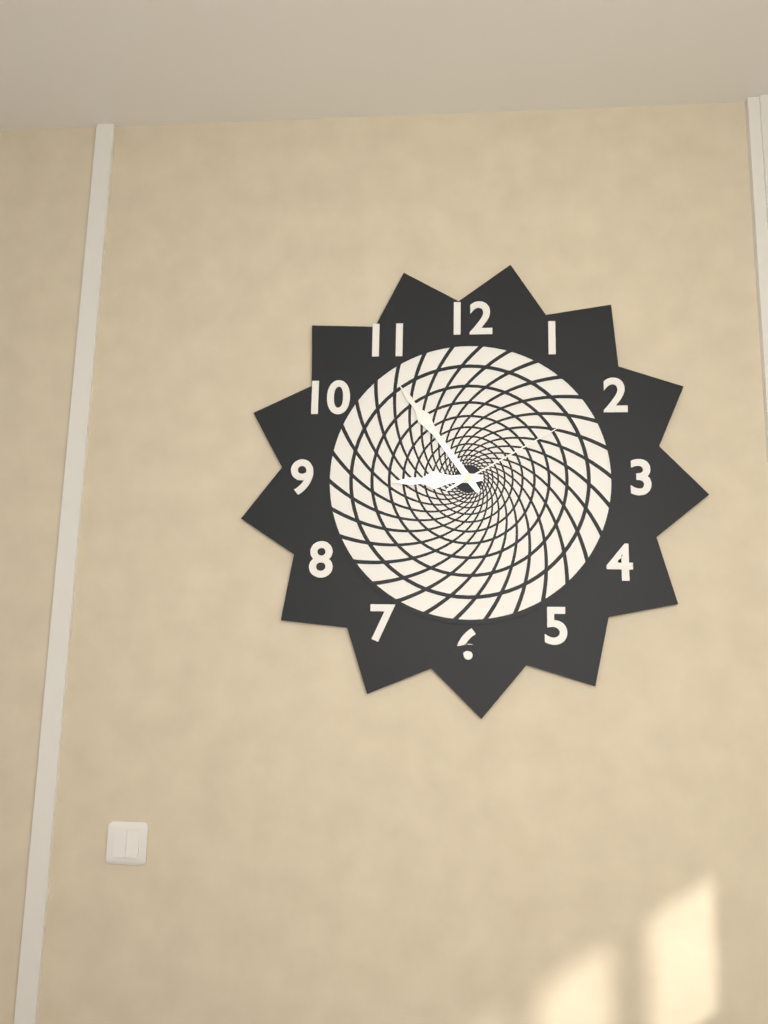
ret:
8:54:10
